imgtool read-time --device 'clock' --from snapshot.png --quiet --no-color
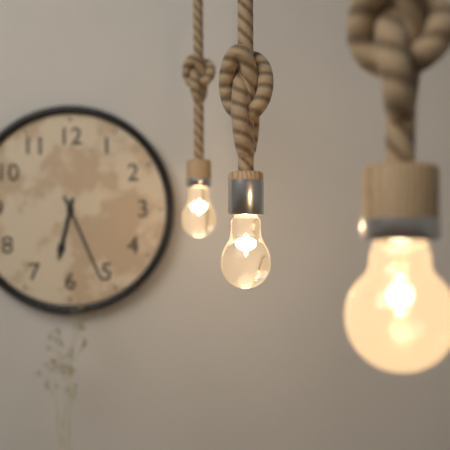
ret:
6:26
